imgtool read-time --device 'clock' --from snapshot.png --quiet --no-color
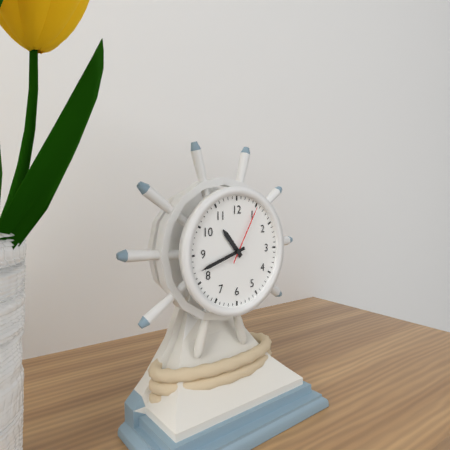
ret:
10:42:05
